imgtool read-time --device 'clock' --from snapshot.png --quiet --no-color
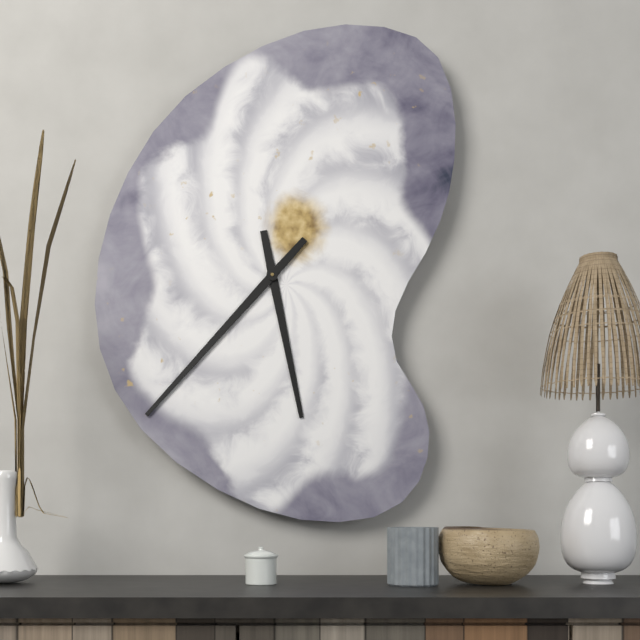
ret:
5:37
